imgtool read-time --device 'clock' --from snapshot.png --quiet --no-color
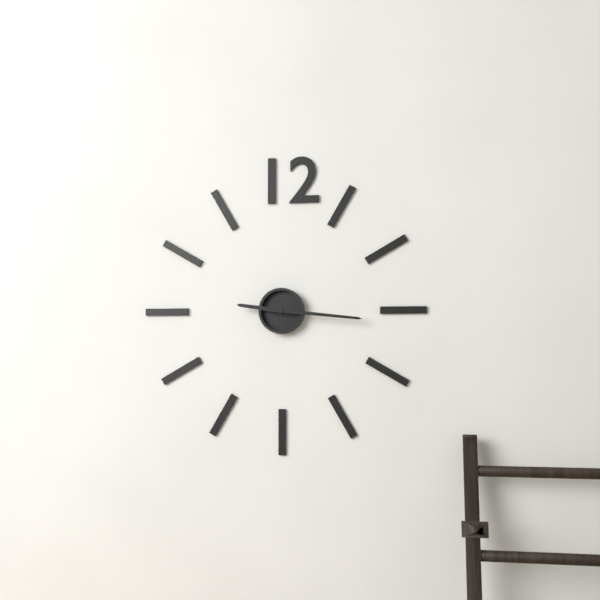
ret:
9:16
